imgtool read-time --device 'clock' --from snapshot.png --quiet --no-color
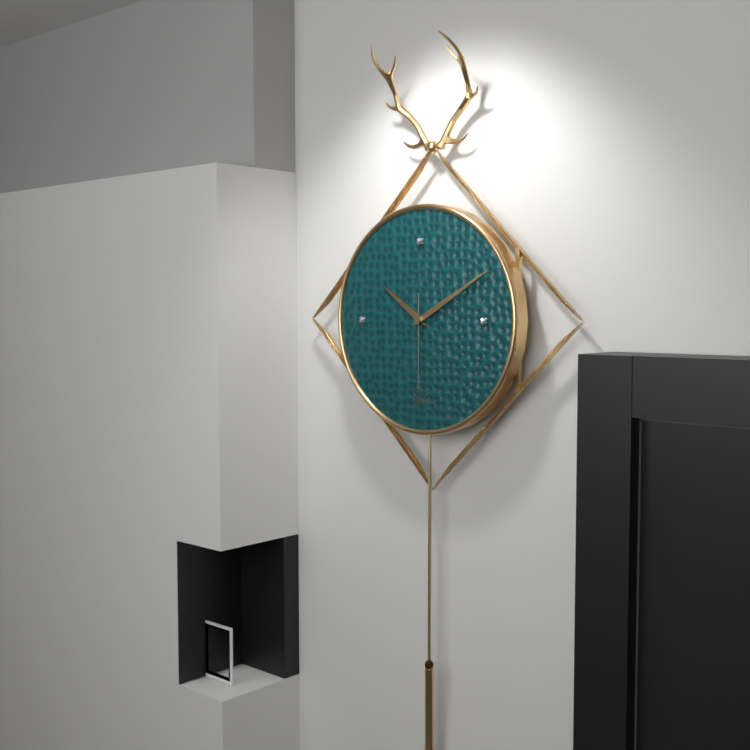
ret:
10:10:30
